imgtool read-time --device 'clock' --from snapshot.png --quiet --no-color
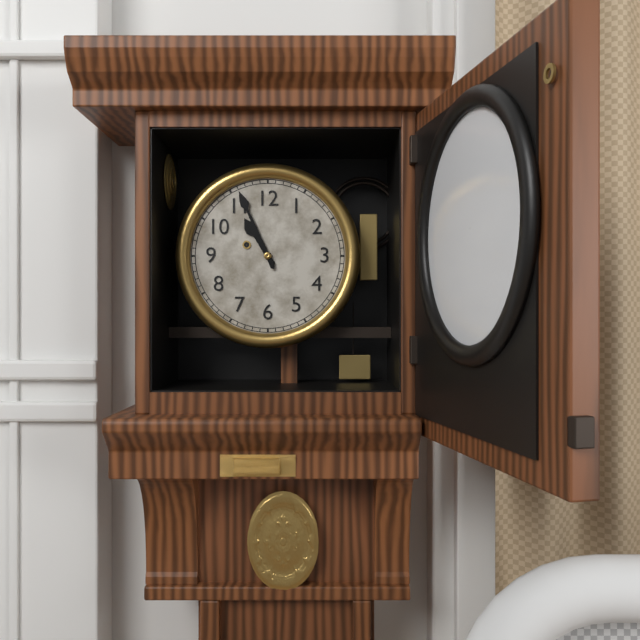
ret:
10:56
